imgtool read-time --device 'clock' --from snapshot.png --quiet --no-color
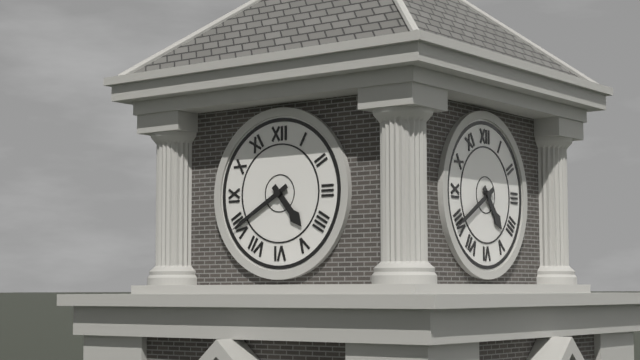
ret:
4:40
